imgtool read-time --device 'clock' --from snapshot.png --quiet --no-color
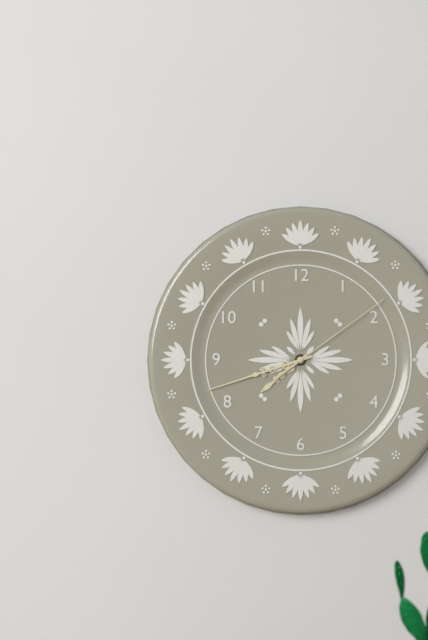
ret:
7:42:09
